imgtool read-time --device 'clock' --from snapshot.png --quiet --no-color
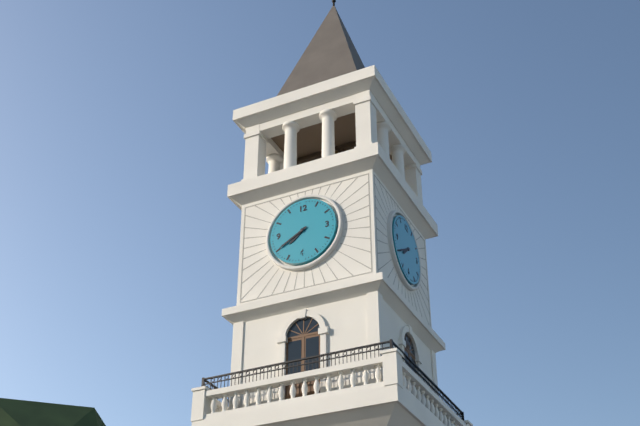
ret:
7:40
